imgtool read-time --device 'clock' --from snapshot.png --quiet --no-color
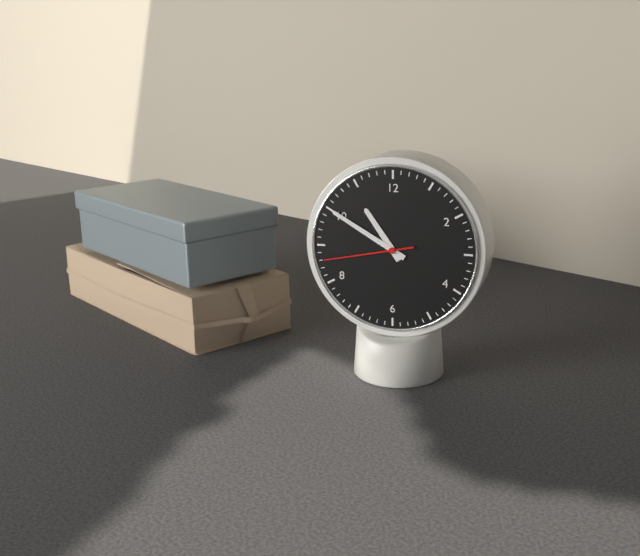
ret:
10:50:43
